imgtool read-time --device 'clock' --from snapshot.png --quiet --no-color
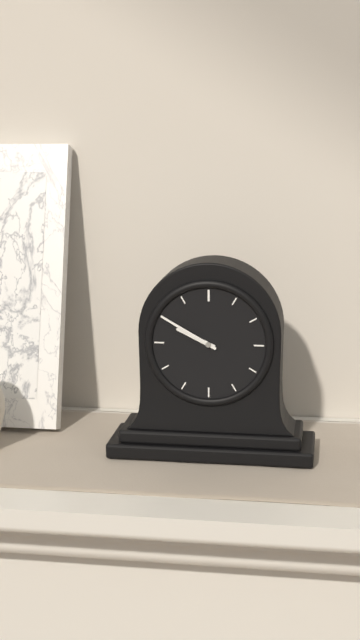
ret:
9:50
